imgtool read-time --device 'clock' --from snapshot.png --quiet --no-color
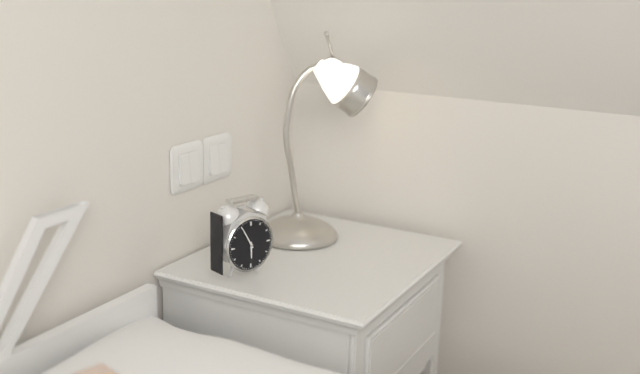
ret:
5:55
